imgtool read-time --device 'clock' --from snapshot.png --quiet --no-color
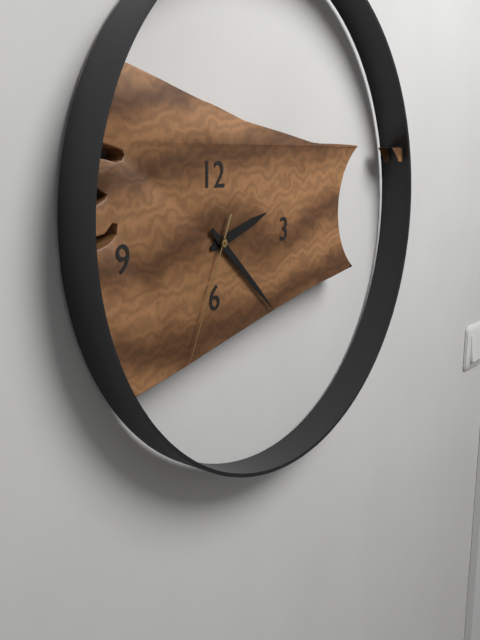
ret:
2:22:34
